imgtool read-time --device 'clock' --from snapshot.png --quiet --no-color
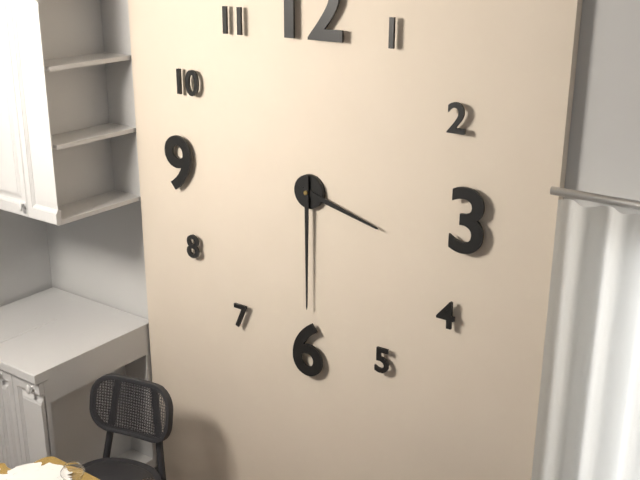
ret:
3:30
